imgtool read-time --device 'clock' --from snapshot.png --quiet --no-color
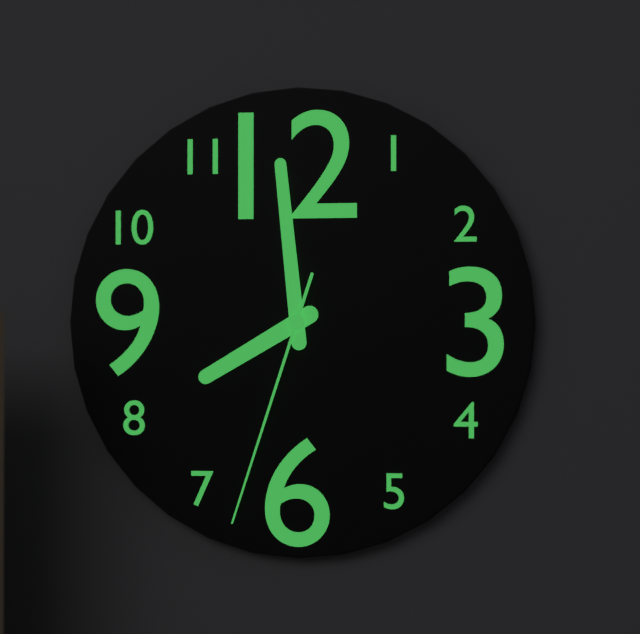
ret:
7:59:33
